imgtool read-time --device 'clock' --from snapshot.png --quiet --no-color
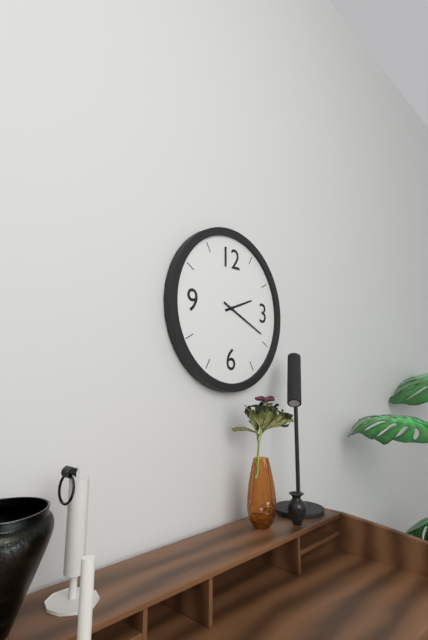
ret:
2:19
